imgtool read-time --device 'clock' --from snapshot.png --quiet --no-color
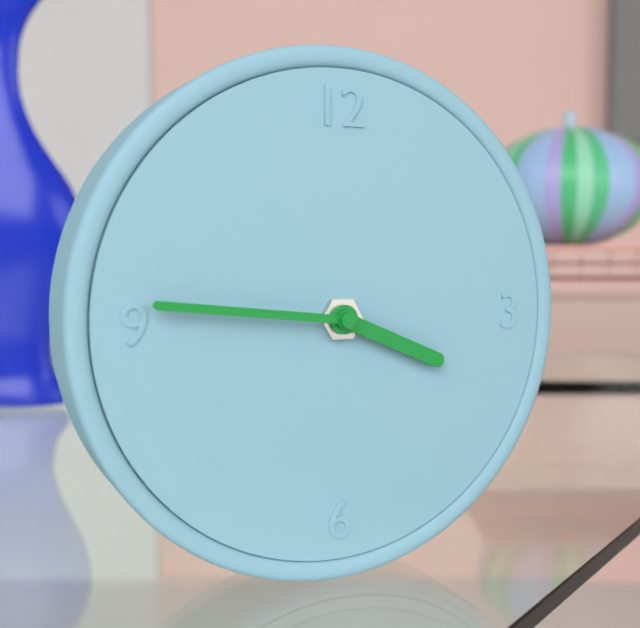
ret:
3:46
